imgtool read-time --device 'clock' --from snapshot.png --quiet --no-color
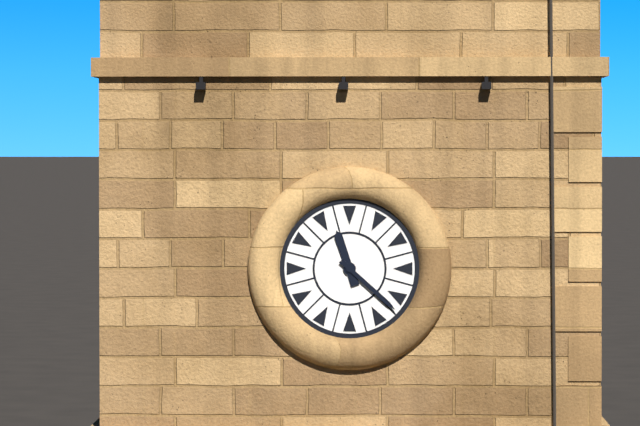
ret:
11:22
